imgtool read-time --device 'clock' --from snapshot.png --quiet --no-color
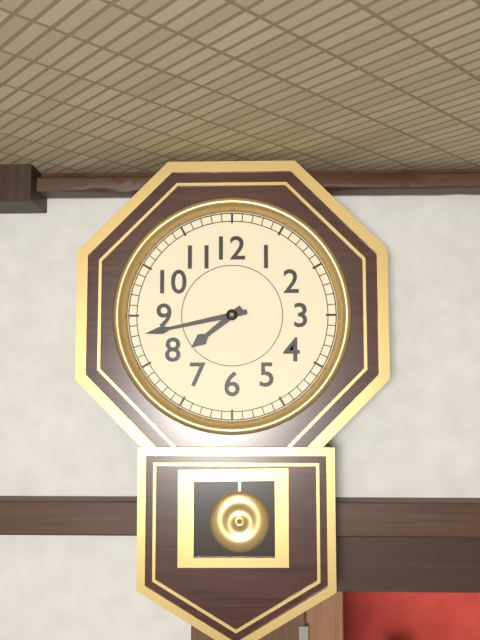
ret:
7:43
